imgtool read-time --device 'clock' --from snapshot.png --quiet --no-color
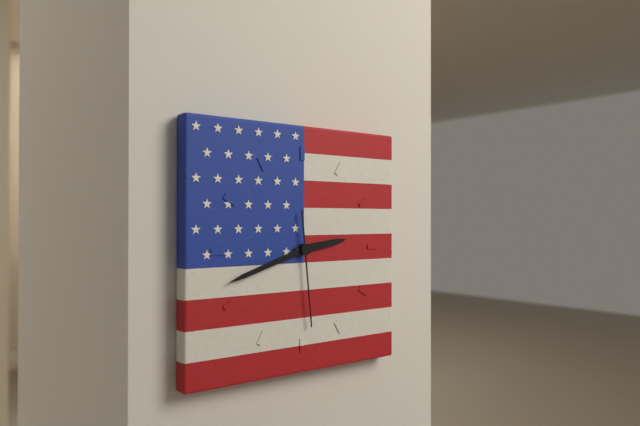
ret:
2:42:29
